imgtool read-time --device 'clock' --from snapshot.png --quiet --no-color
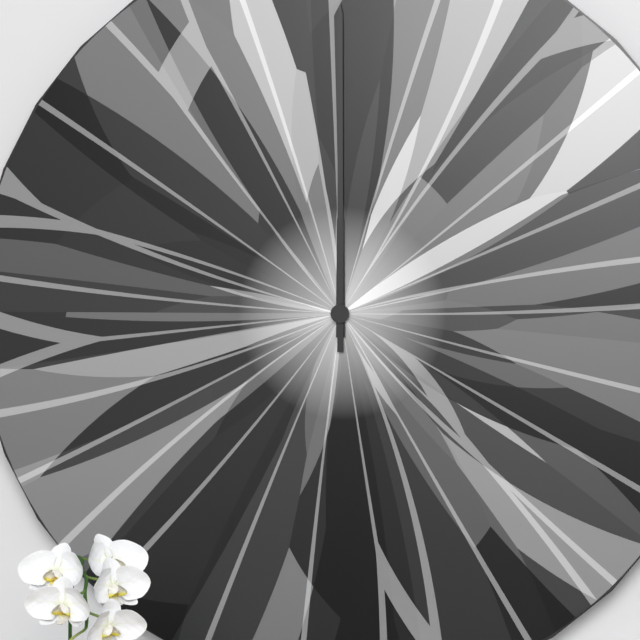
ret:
12:00
